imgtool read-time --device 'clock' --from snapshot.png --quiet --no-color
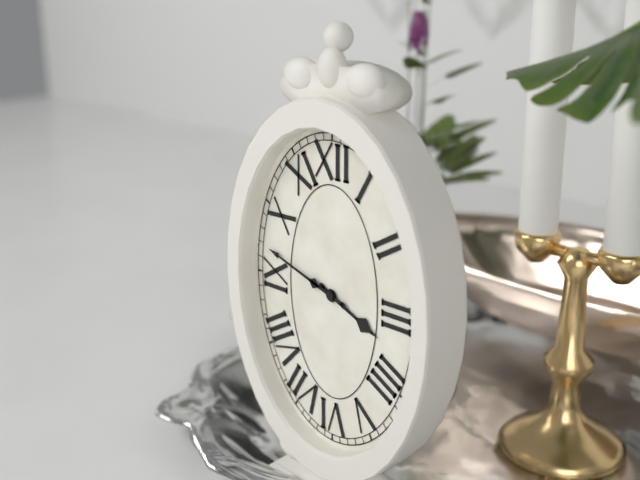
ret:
3:48
